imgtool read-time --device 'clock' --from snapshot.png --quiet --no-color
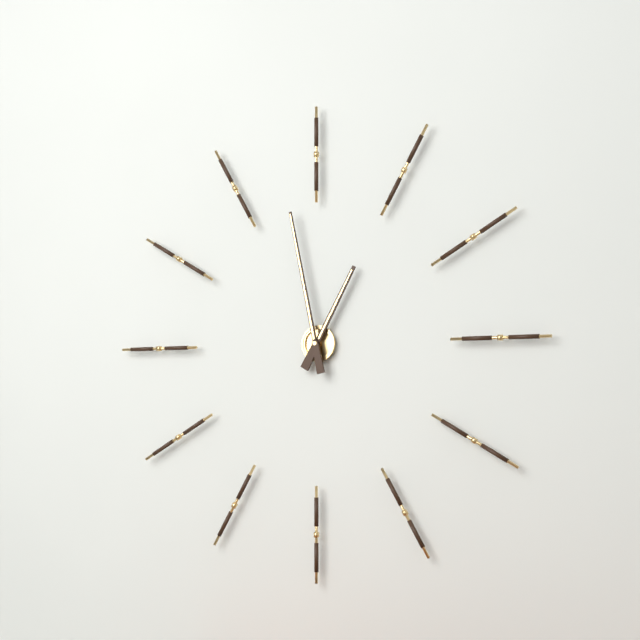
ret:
12:58
